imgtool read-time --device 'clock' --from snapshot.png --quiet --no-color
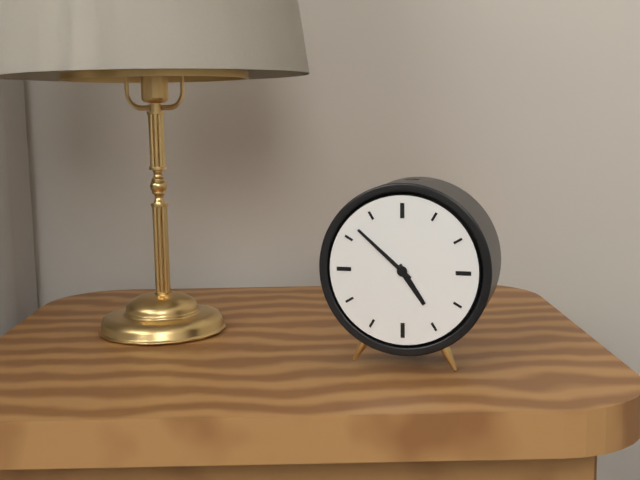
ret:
4:52
